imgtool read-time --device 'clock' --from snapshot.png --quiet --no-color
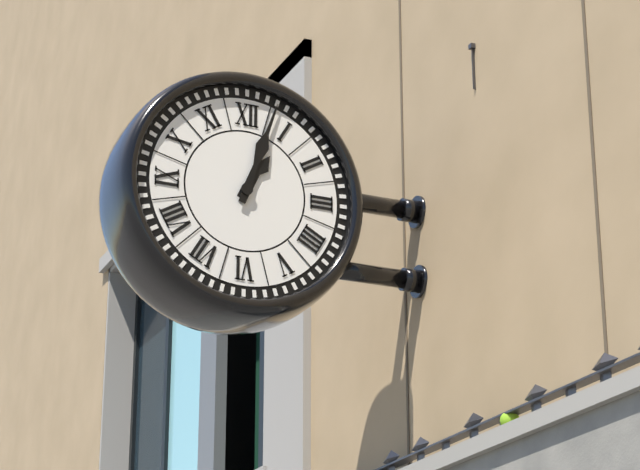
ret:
1:03
